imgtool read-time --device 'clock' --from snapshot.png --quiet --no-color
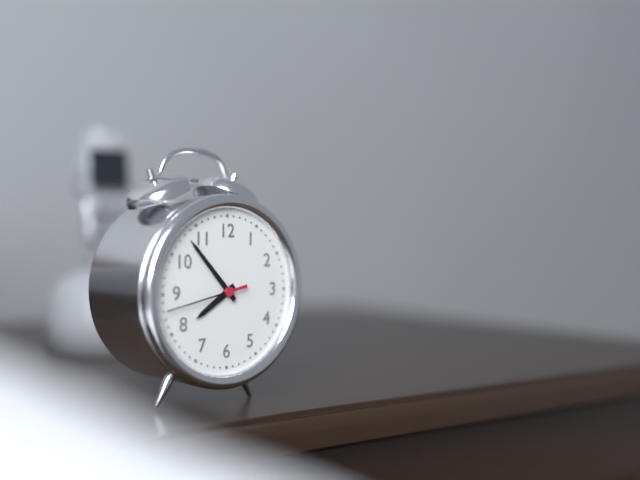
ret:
7:53:43
